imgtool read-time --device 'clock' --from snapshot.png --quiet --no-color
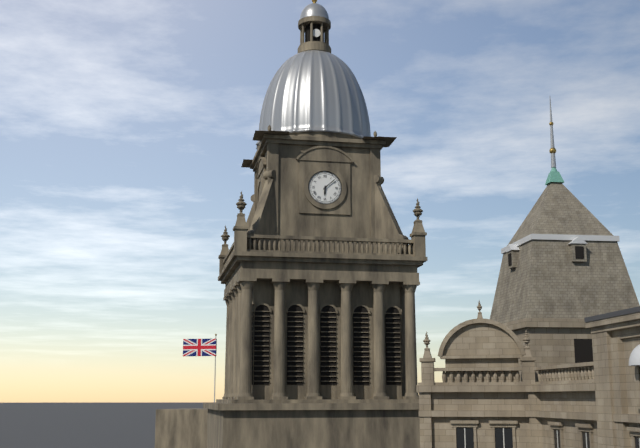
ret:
6:08
